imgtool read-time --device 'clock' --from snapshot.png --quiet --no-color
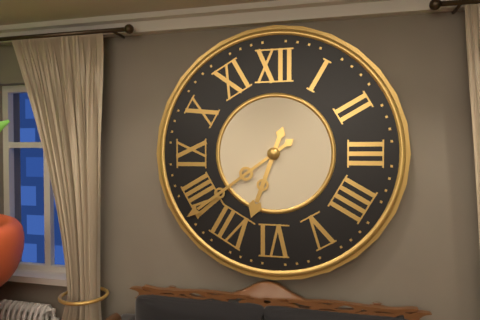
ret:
6:39
